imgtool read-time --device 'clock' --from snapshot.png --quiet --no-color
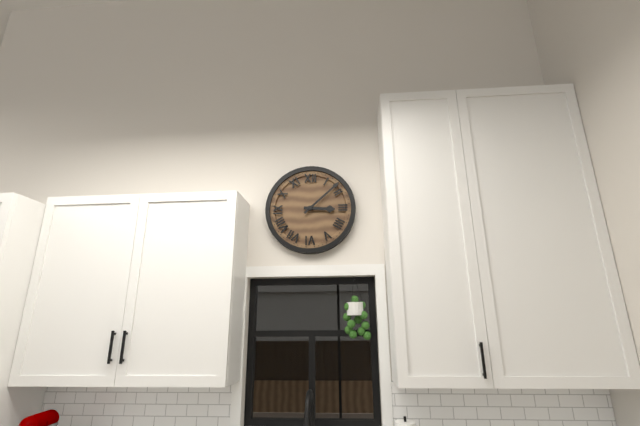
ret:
3:08
